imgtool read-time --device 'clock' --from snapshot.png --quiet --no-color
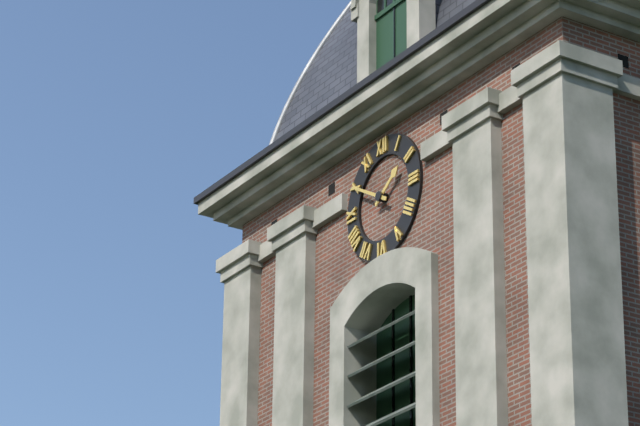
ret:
1:50
